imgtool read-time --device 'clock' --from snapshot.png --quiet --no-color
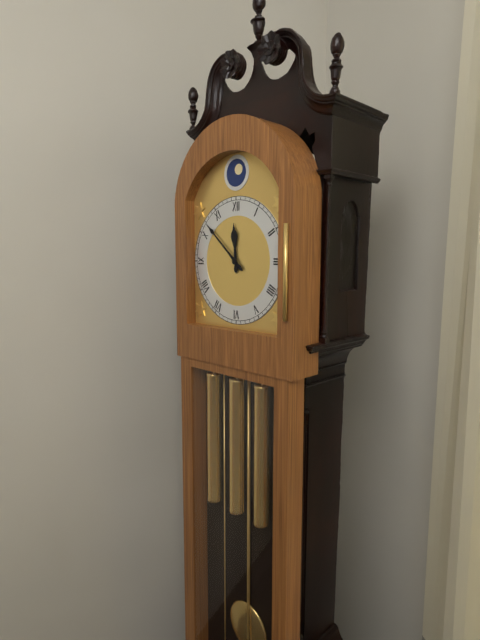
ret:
11:52
